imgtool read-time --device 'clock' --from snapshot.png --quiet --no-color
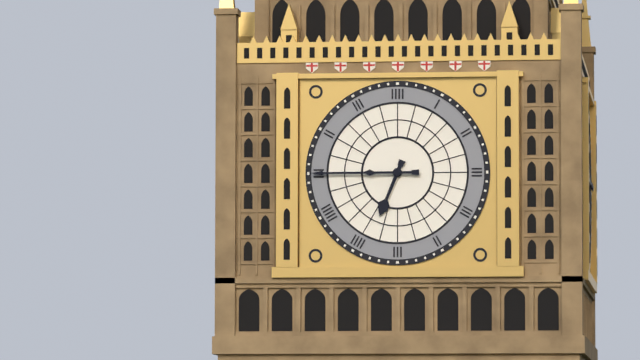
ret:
6:45
